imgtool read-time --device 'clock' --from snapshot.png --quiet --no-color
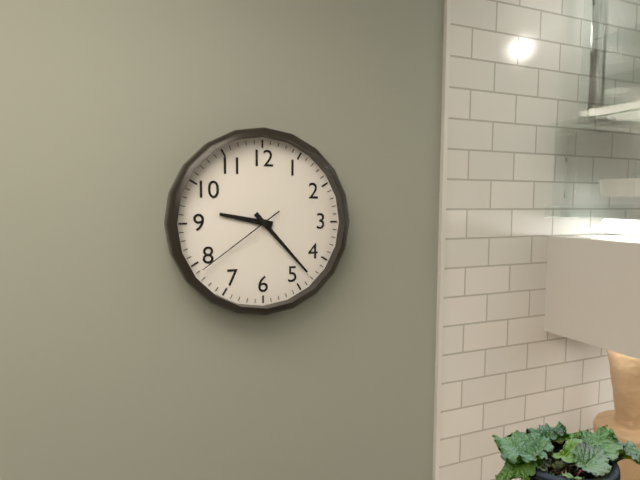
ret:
9:23:39
